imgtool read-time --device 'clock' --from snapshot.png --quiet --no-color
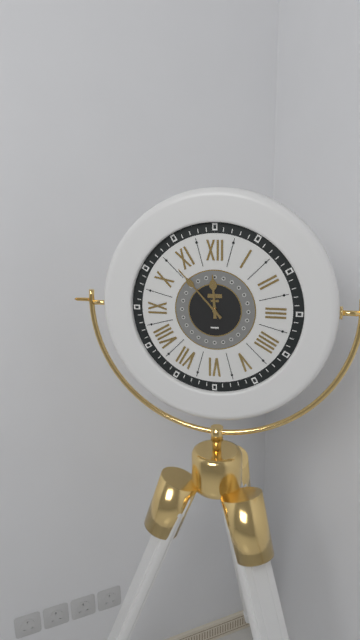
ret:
11:53
